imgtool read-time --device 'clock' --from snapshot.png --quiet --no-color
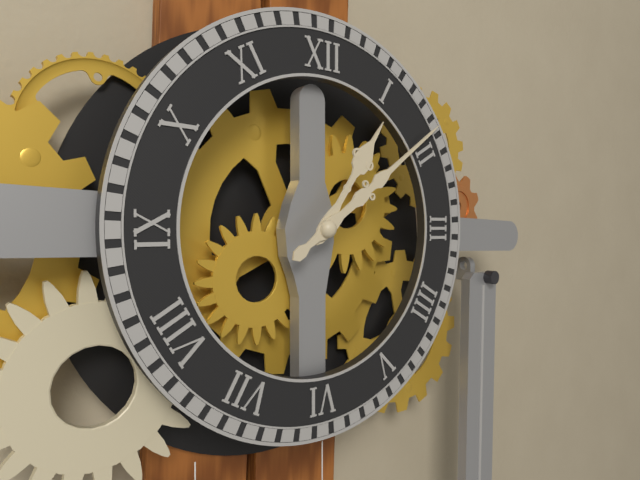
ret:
1:09
